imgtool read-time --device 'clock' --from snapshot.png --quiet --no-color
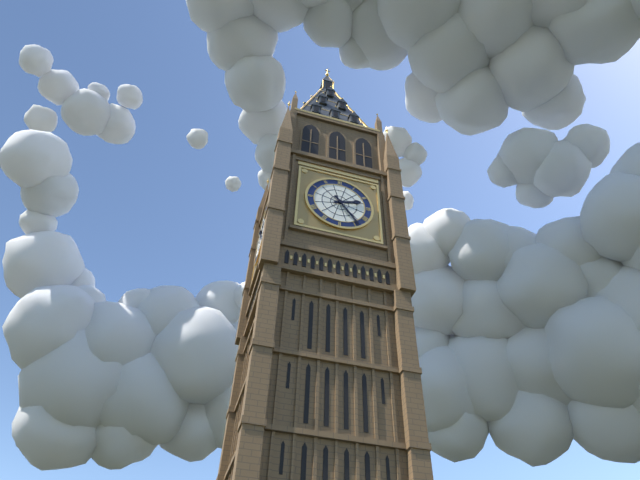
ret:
2:24
